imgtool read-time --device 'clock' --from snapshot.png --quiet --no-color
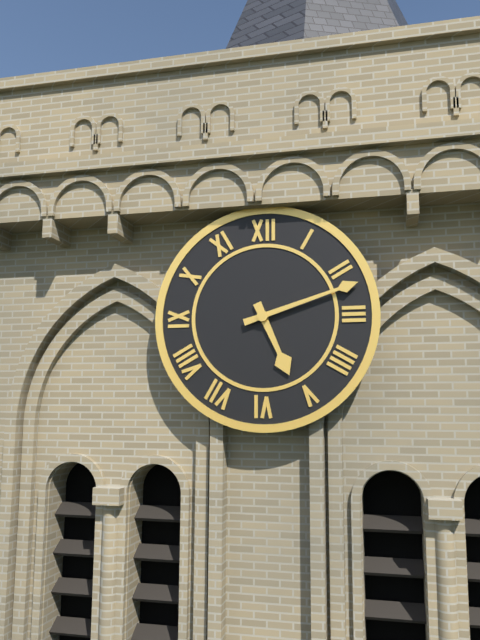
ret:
5:12
